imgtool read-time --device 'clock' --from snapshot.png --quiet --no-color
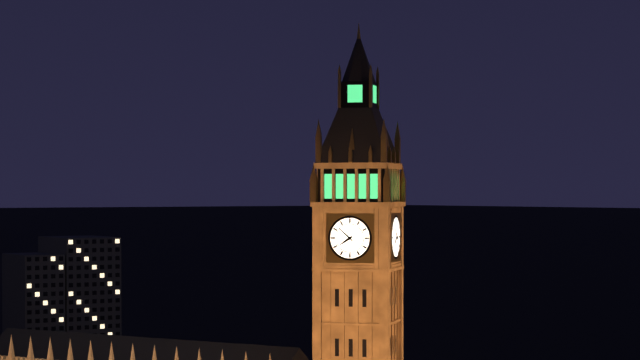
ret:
7:52
